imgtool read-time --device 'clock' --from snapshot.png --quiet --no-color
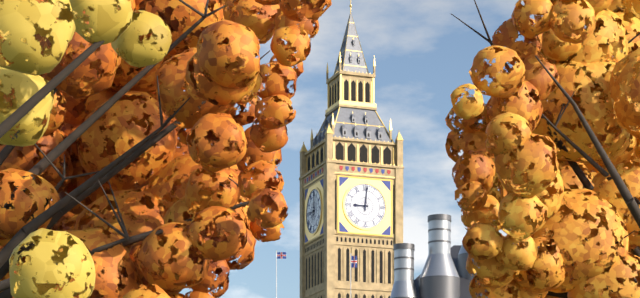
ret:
9:01
